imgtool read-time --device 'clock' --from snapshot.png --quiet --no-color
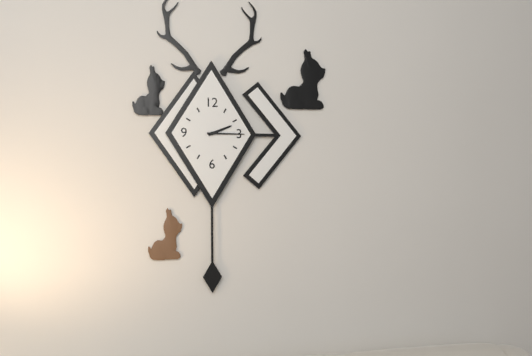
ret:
2:15
